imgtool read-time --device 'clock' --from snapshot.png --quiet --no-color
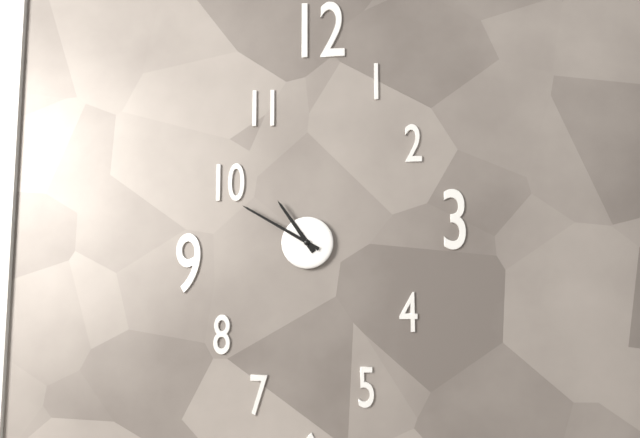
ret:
10:50
